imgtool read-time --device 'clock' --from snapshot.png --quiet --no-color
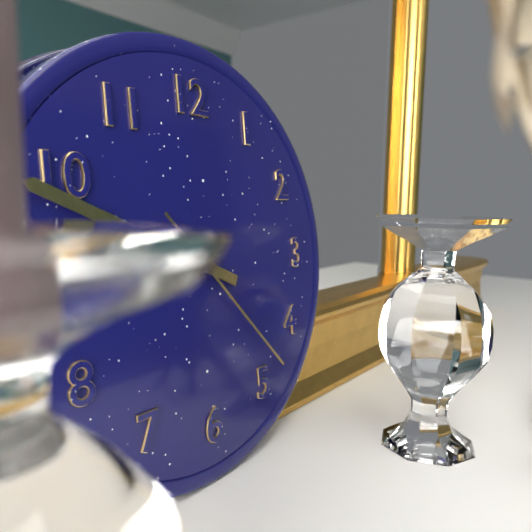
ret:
9:49:23
